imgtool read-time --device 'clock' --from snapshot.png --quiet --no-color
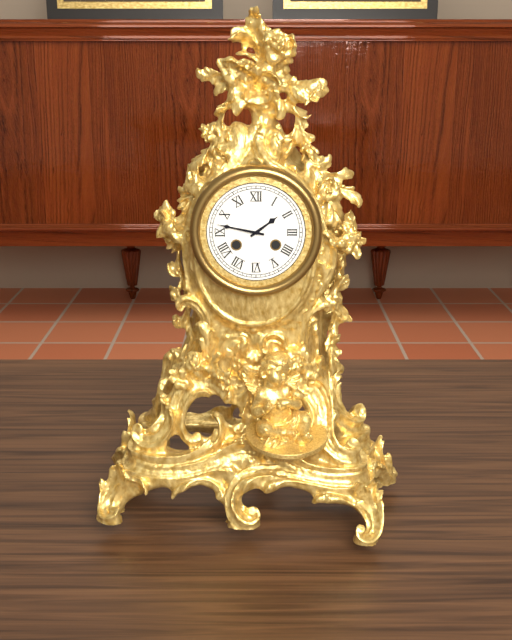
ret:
1:47
